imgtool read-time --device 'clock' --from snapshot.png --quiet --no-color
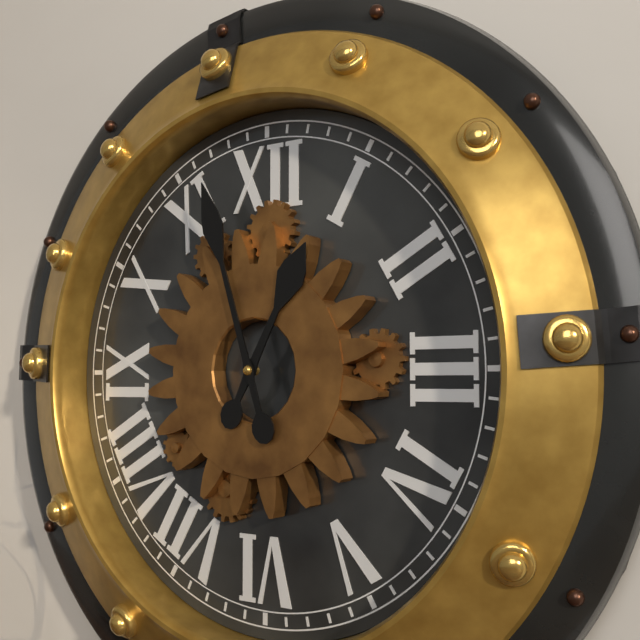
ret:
12:57
